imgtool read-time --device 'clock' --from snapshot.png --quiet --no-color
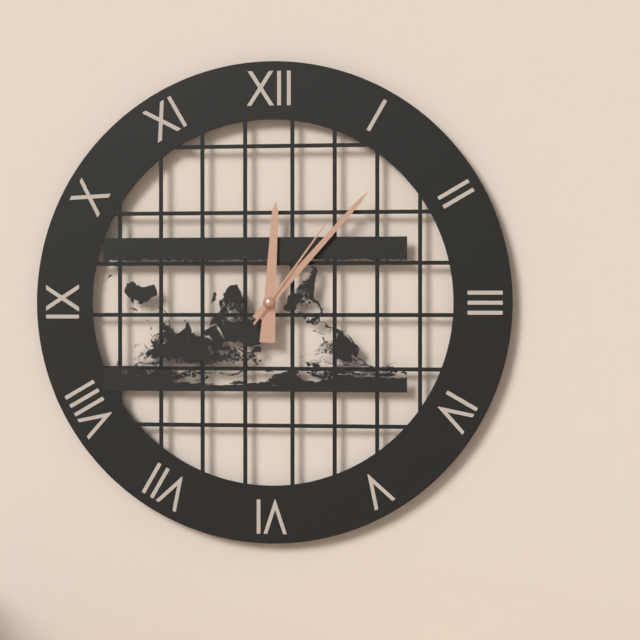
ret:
12:07:06
